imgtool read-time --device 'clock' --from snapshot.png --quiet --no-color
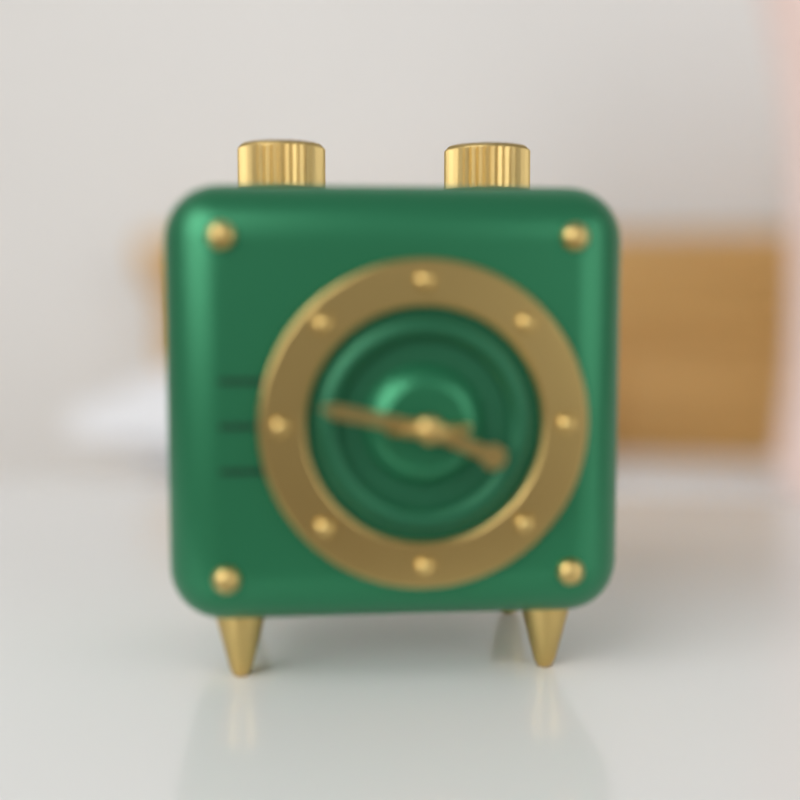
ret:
3:47
